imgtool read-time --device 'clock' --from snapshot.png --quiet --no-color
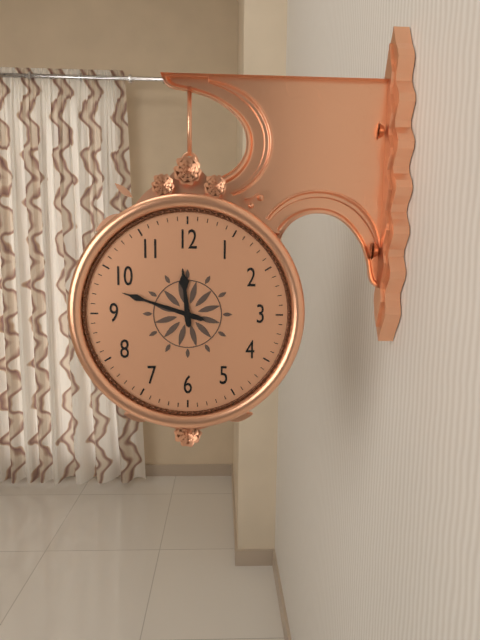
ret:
11:48
